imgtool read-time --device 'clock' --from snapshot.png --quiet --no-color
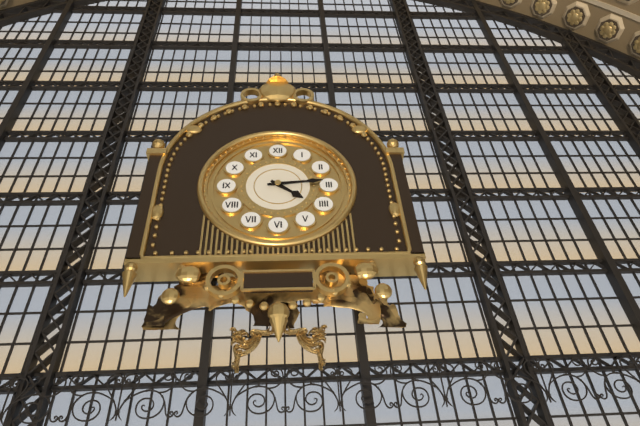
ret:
4:14
